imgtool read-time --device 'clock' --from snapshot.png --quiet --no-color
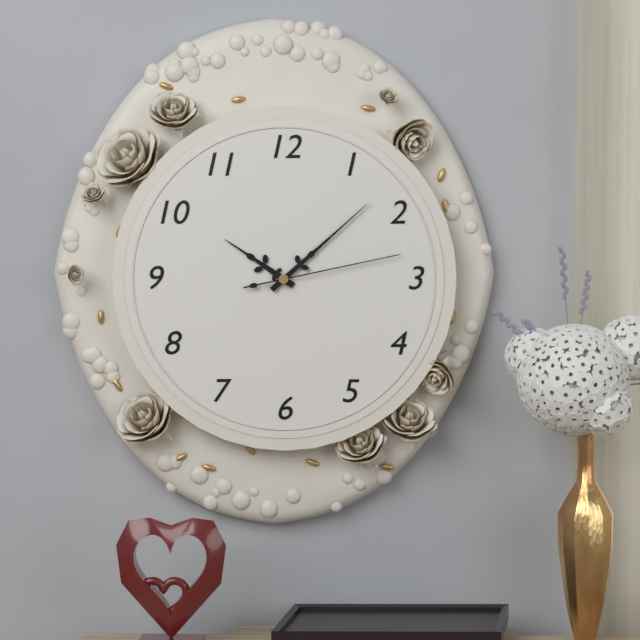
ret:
10:08:13
